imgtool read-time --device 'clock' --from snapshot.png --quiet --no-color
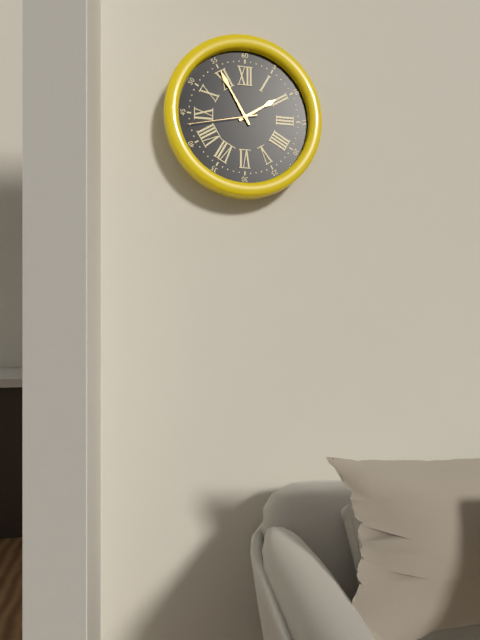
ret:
1:55:43
